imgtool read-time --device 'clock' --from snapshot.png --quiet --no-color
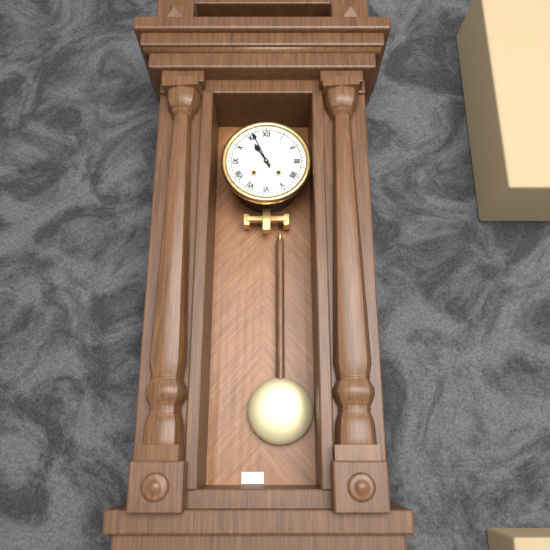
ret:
10:56
